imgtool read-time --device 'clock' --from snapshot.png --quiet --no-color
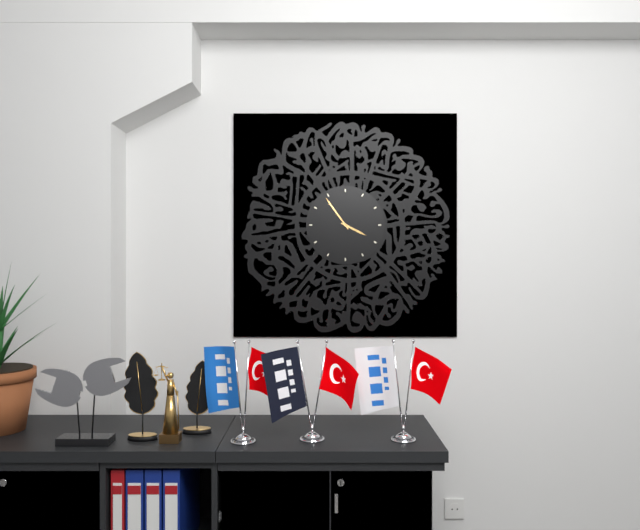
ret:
3:54
